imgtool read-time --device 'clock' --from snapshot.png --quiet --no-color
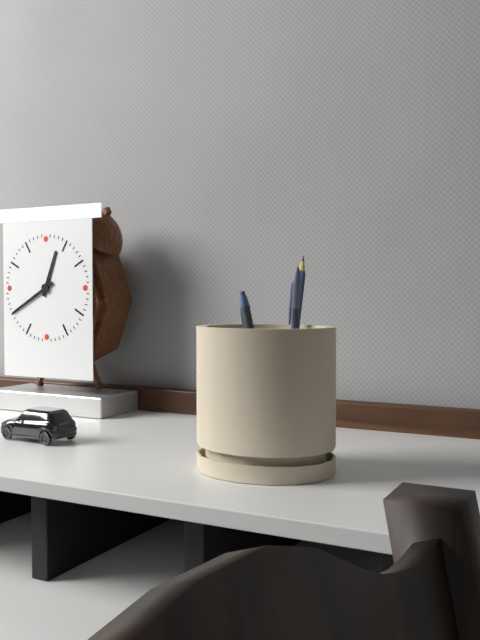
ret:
12:40
